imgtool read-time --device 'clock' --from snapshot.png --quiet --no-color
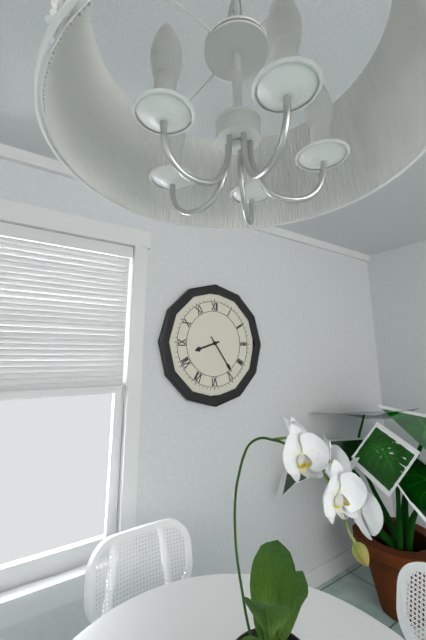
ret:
8:24
